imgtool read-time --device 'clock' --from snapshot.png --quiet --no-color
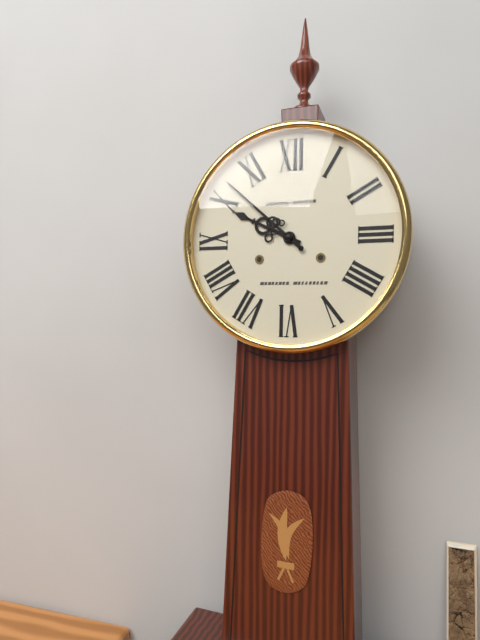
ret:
9:52
